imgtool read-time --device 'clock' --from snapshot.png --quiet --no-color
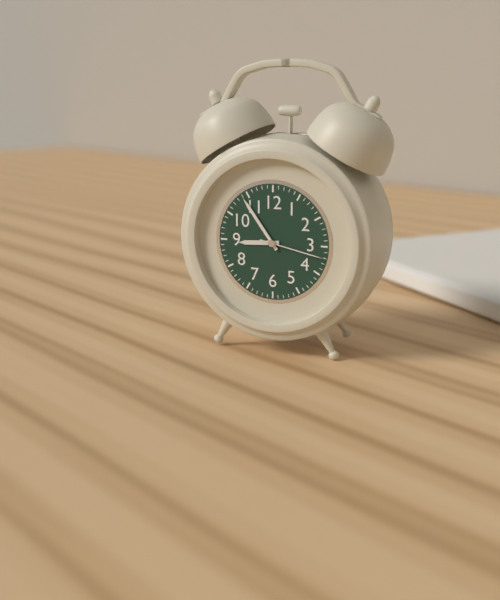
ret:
8:54:17
